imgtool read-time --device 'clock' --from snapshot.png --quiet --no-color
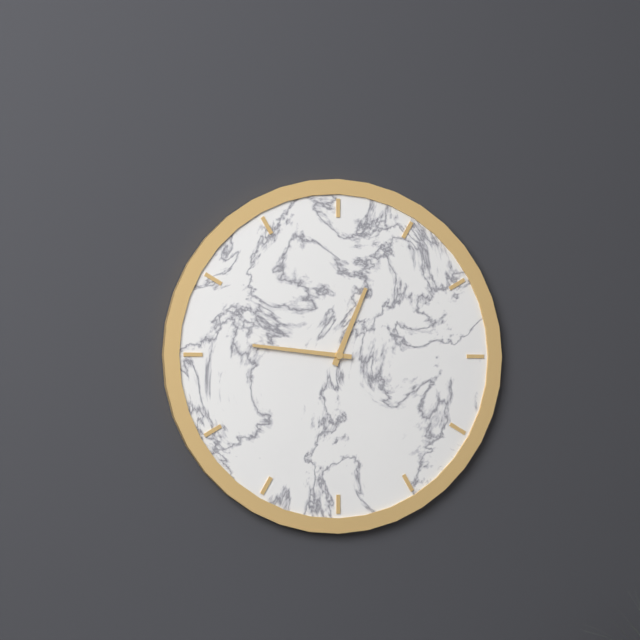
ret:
12:46
